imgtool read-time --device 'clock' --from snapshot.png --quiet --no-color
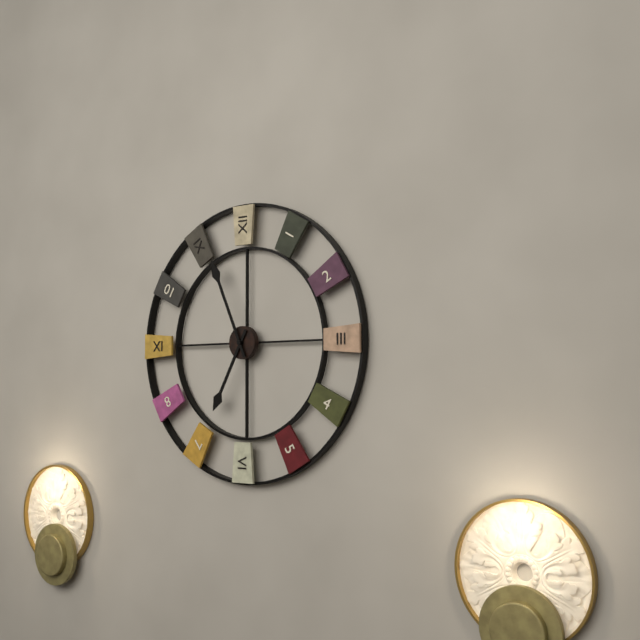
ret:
6:56
